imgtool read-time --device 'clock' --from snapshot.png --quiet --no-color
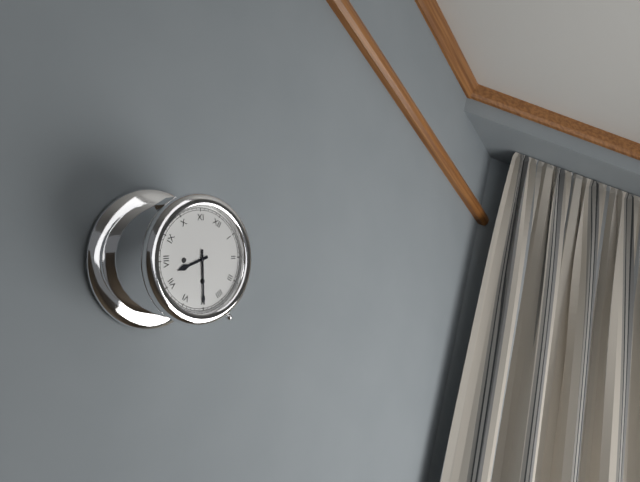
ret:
7:25
